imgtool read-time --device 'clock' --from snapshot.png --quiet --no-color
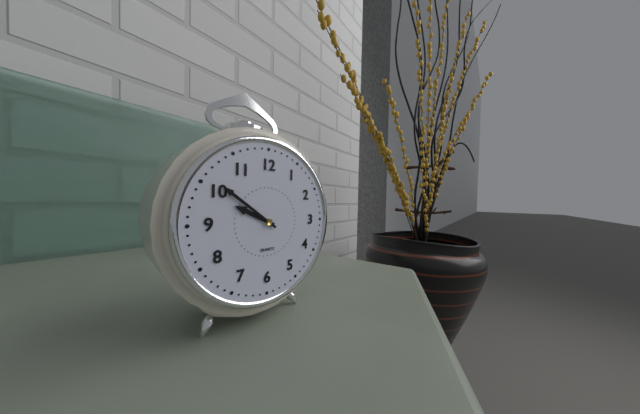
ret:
9:51
